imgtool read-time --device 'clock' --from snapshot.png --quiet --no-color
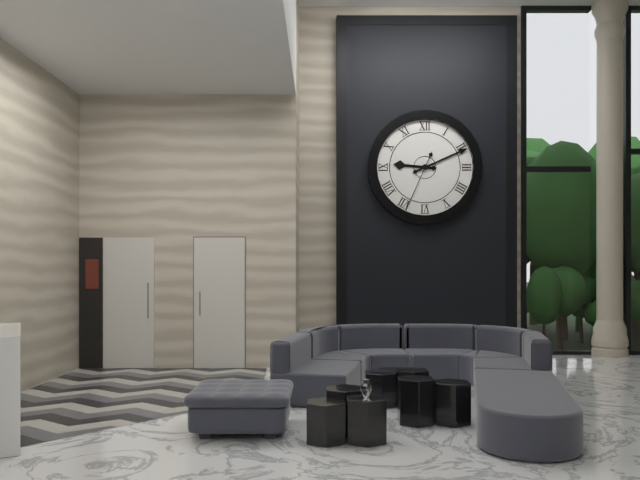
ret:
9:11:34
